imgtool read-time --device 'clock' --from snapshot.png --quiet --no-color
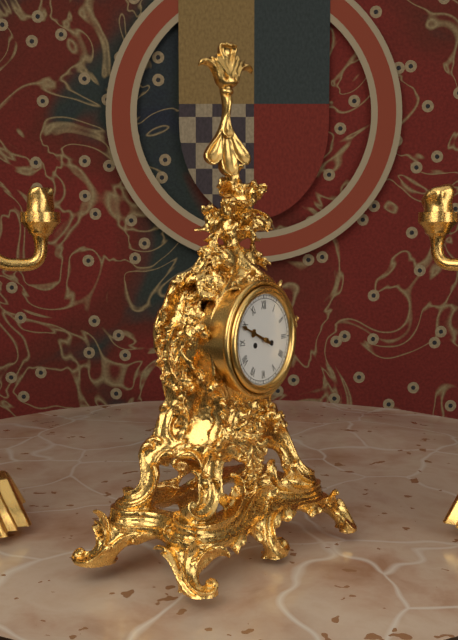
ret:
9:49
